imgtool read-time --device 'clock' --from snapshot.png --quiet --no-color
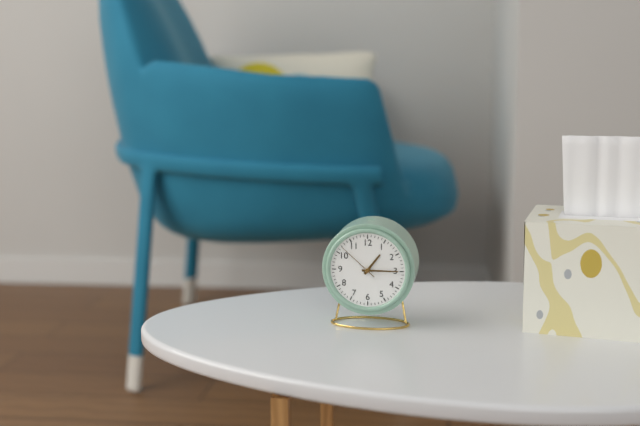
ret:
1:15
